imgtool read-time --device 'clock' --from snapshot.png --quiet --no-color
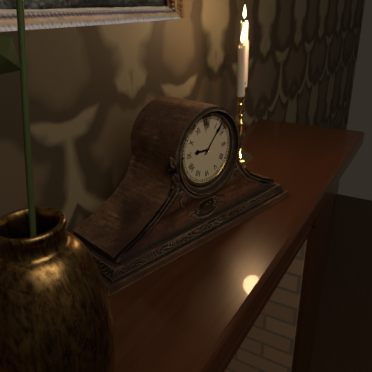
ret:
9:07
